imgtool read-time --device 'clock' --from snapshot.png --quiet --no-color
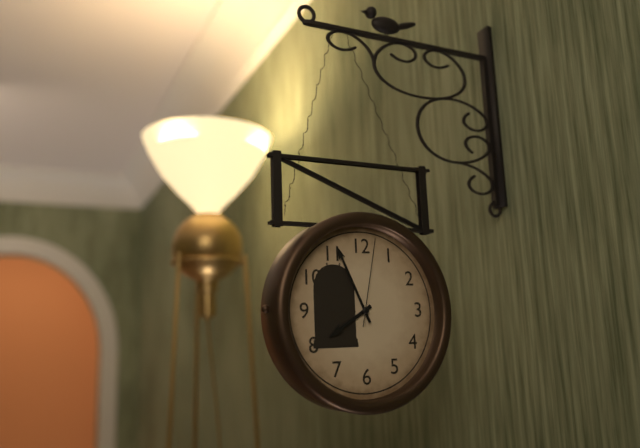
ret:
7:56:02
